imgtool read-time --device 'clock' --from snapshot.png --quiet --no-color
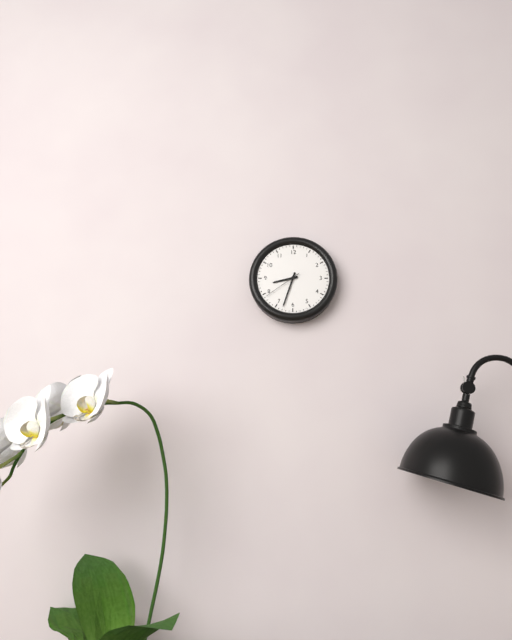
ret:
8:33
